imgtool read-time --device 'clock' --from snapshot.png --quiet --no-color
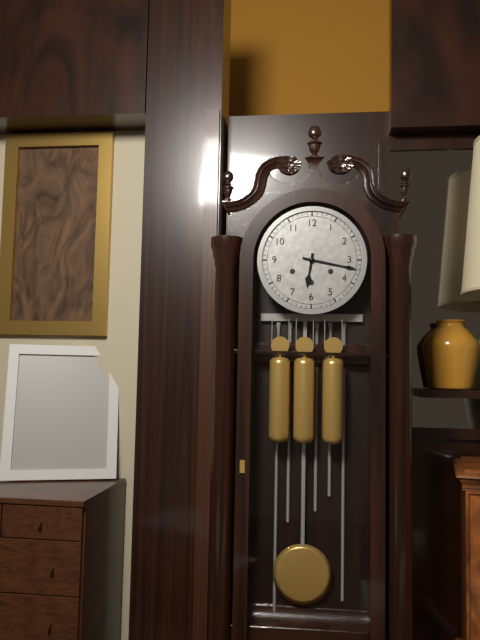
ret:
6:17
